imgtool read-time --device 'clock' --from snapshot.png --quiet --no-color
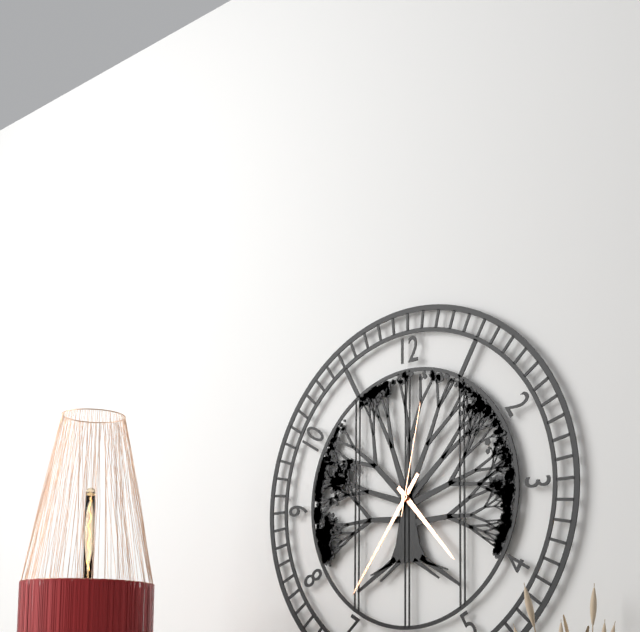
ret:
4:36:02
